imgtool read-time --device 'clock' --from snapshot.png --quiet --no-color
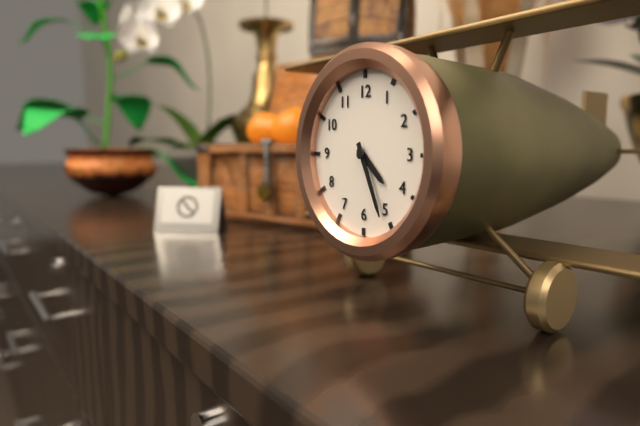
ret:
4:26
